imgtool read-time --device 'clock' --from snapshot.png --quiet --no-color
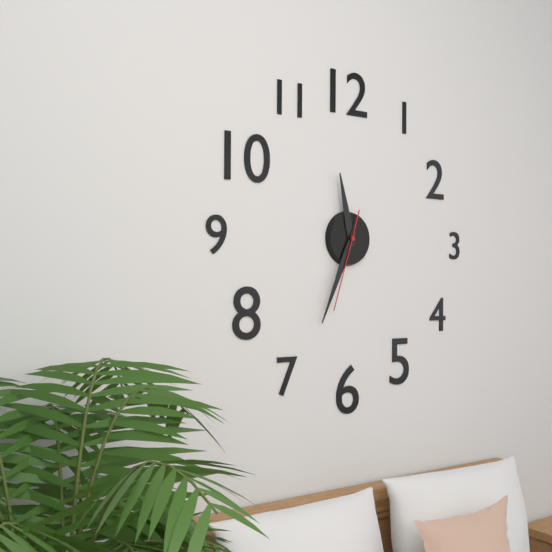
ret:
11:34:33
